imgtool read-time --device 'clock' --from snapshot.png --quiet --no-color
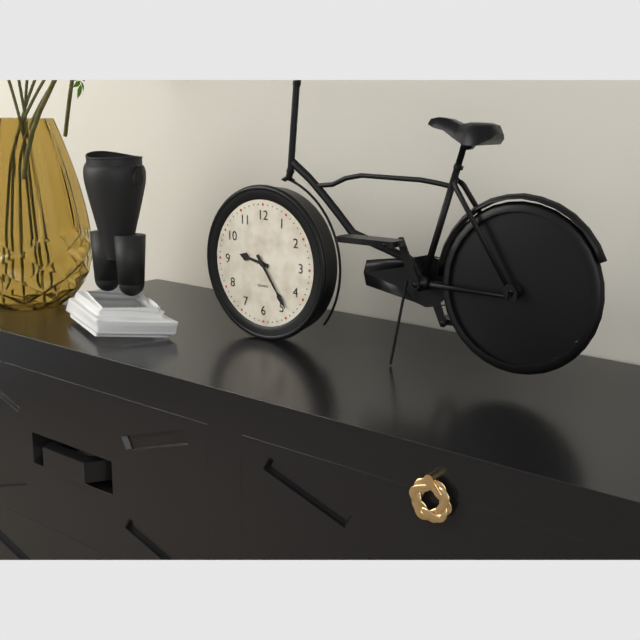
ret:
9:24
